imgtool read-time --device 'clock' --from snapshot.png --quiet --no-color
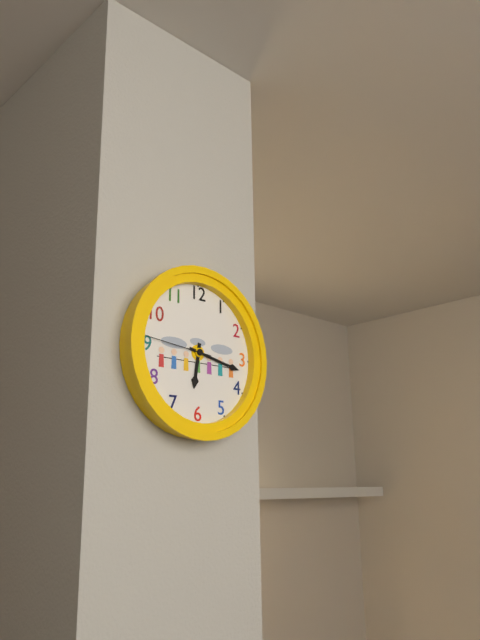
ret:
6:17:46
